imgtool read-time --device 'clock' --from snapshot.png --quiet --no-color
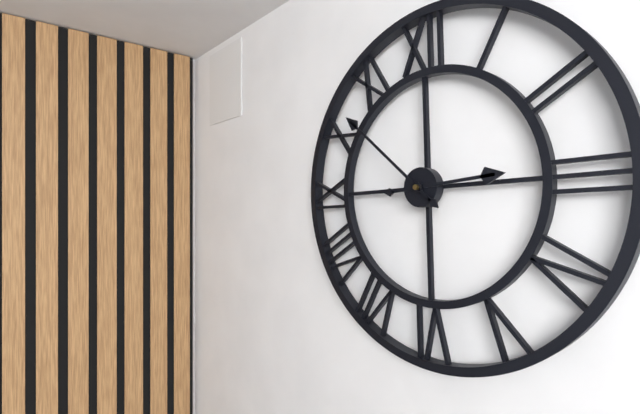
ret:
2:52
